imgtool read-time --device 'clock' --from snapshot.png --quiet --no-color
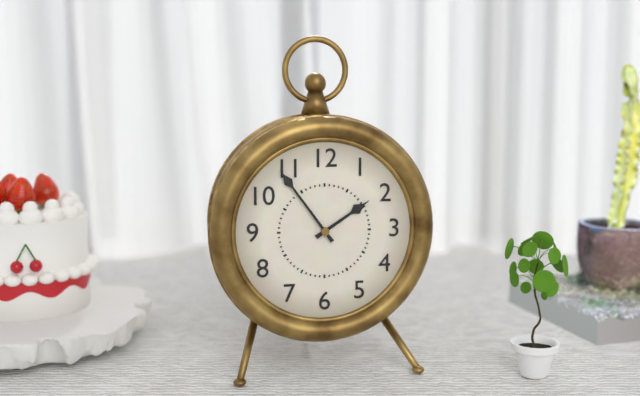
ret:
1:54
